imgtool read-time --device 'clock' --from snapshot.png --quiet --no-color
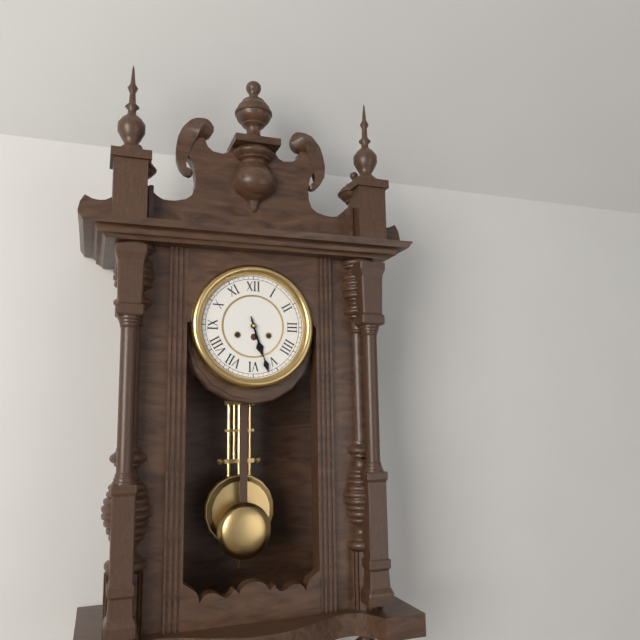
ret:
5:27
